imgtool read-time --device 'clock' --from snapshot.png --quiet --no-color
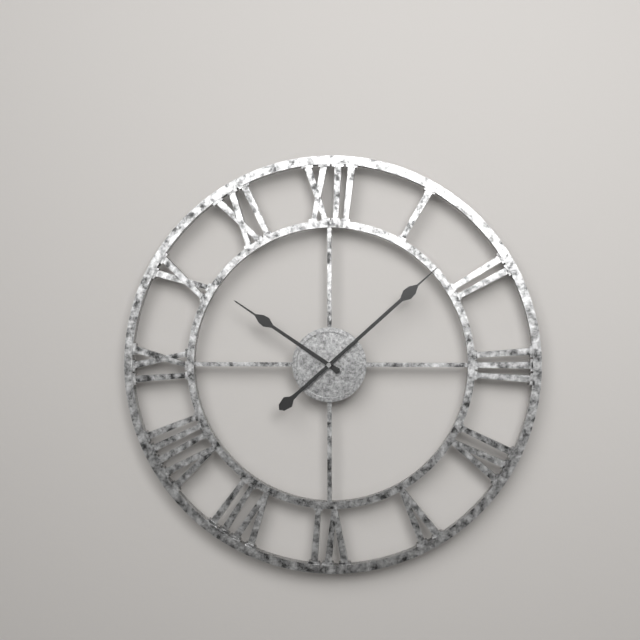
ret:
10:08
